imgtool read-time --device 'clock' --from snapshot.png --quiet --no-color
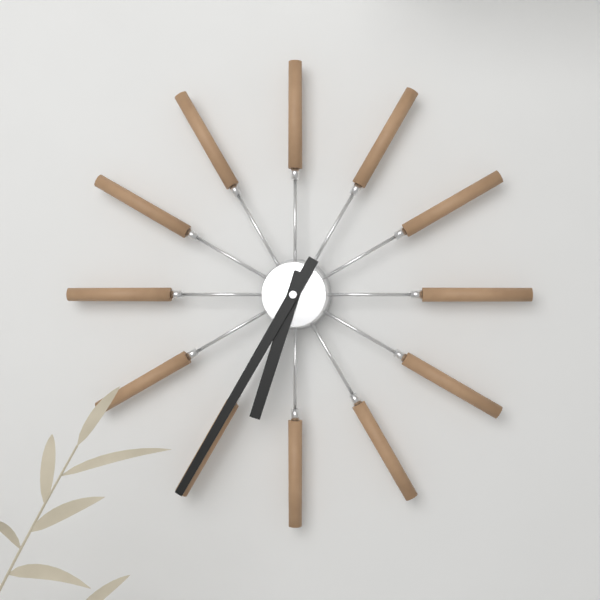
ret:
6:35
